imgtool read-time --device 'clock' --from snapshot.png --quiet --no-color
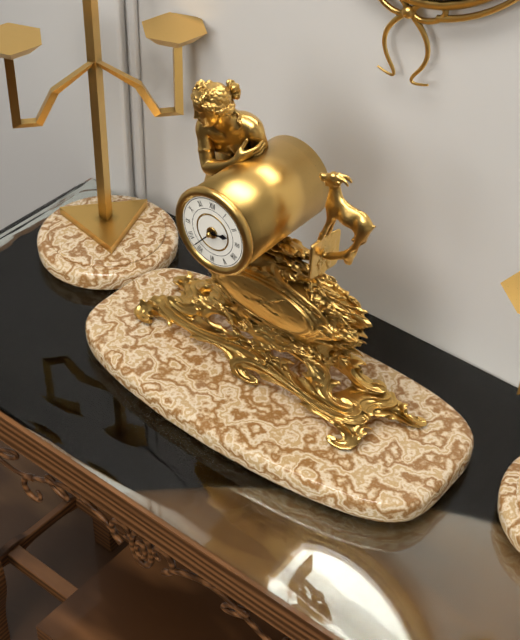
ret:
2:37
